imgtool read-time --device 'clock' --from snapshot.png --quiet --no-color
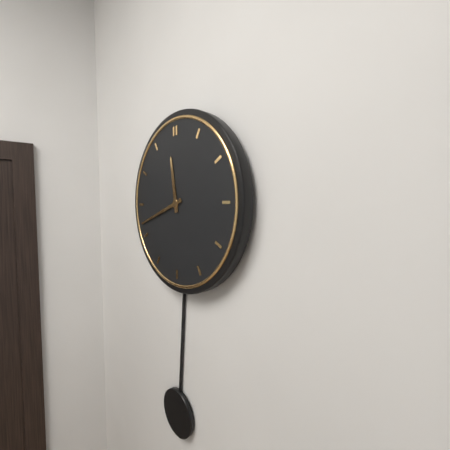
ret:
11:42
